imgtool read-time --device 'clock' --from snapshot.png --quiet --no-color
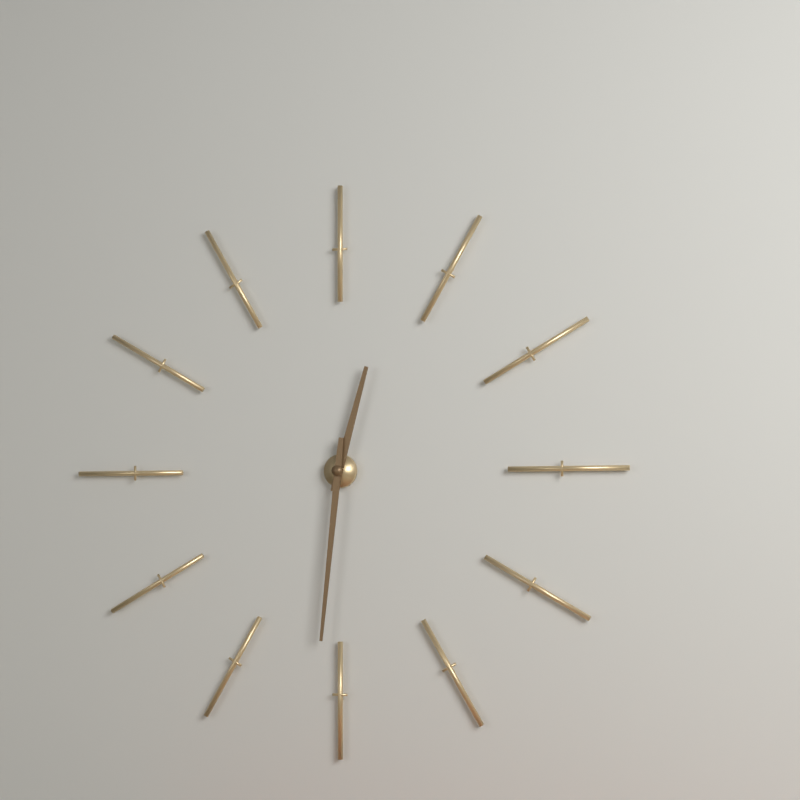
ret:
12:31
